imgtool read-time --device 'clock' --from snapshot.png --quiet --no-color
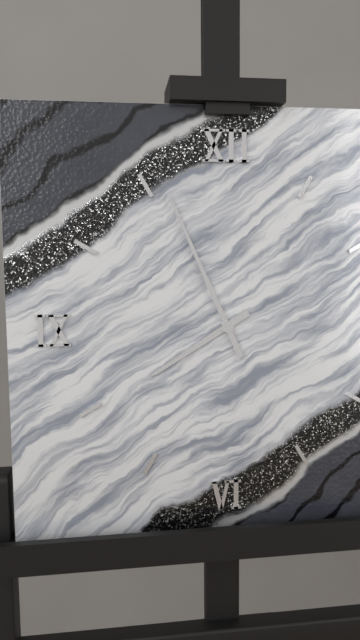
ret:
7:56
